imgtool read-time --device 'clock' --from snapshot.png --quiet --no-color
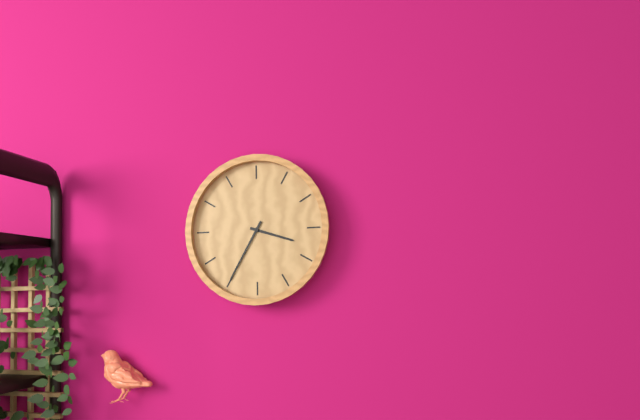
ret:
3:35
